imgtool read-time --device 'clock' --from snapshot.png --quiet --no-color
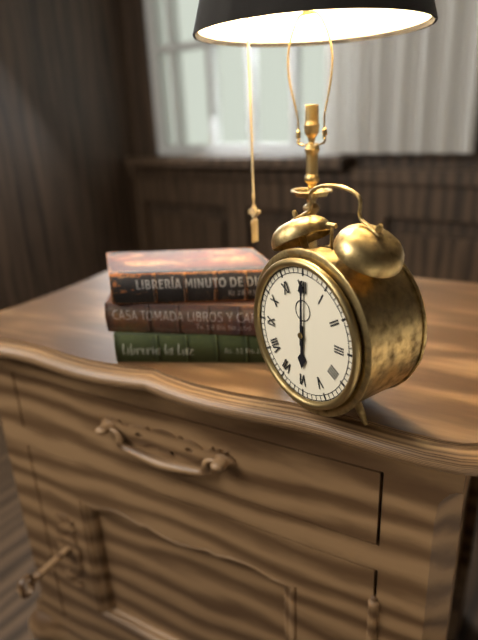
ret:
6:00
